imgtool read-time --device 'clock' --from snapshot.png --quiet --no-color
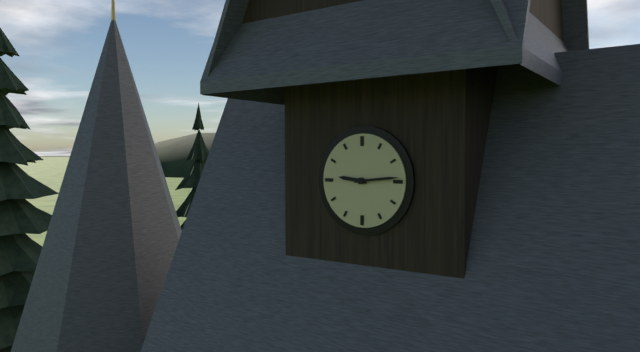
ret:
9:14
